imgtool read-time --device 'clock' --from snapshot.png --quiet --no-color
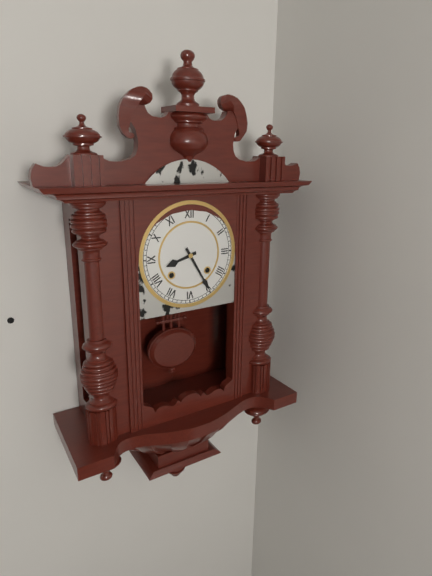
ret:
8:25
